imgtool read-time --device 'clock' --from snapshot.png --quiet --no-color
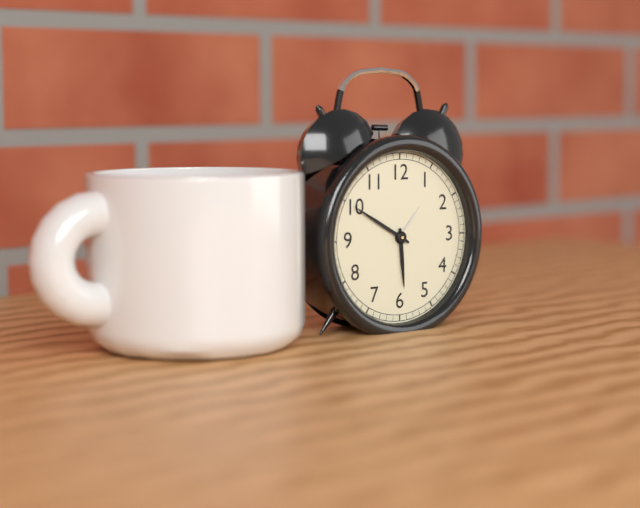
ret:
5:50
